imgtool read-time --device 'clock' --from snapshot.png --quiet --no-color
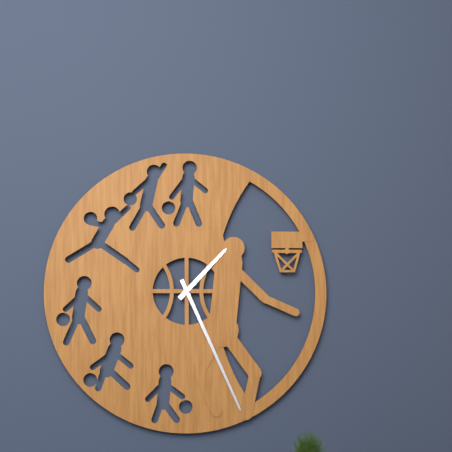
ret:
1:26
